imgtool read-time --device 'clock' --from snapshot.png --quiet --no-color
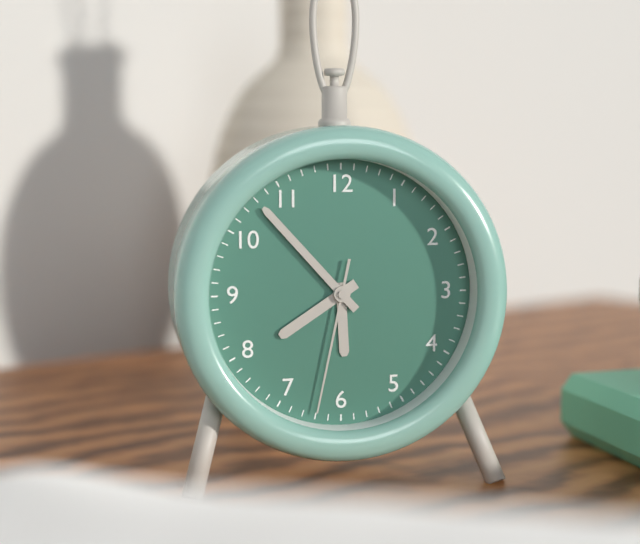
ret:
7:53:32
